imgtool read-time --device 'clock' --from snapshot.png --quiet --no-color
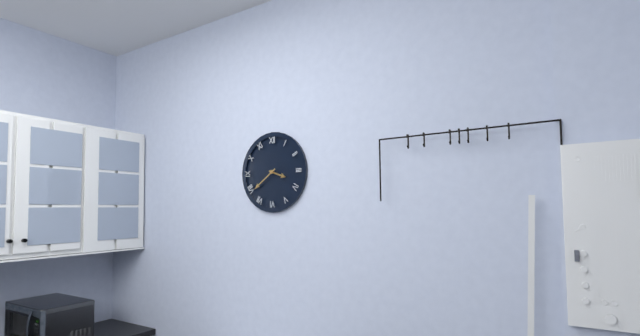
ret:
3:39
